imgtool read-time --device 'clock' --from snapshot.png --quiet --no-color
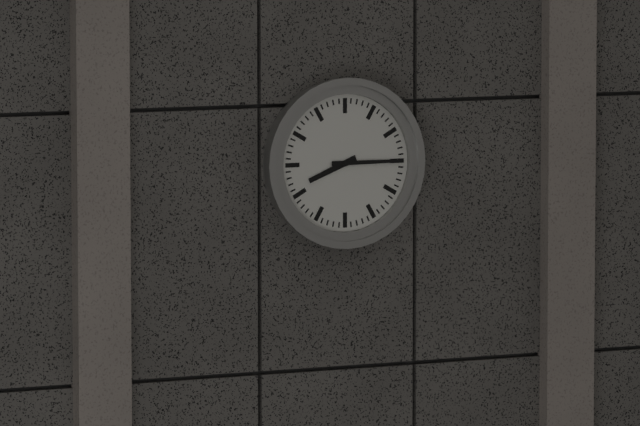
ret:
8:15
